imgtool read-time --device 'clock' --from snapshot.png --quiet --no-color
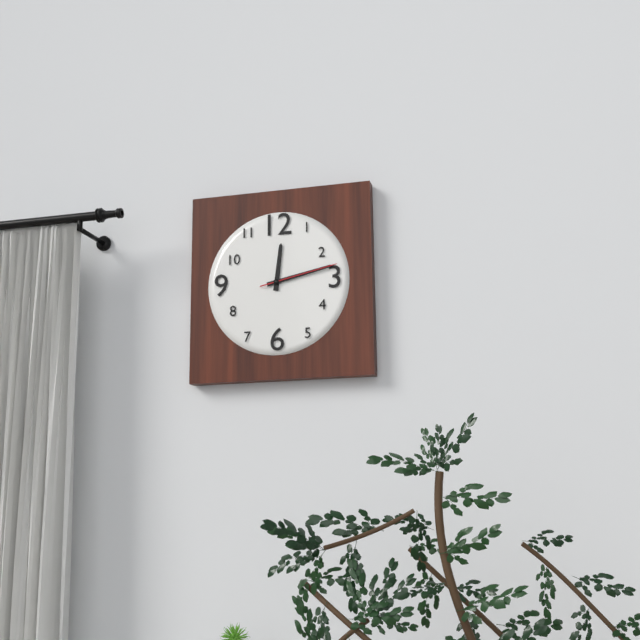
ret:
12:13:13
